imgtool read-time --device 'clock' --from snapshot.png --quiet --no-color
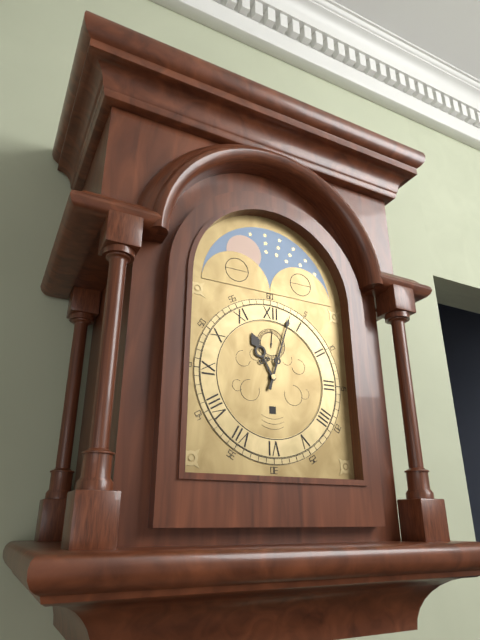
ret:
11:03
